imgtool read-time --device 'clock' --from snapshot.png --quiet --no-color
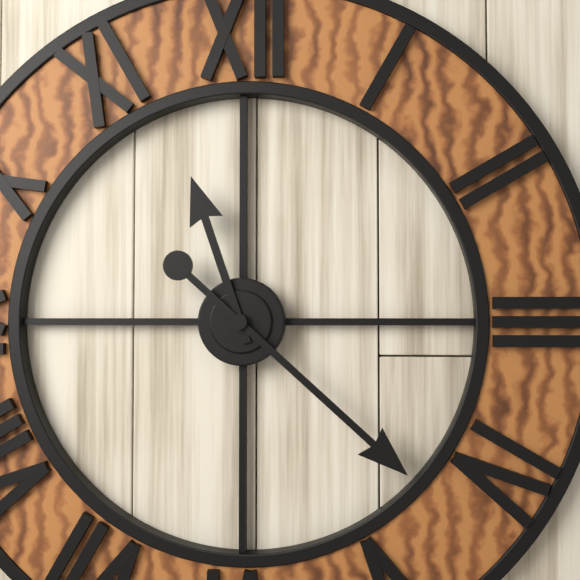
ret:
11:22
